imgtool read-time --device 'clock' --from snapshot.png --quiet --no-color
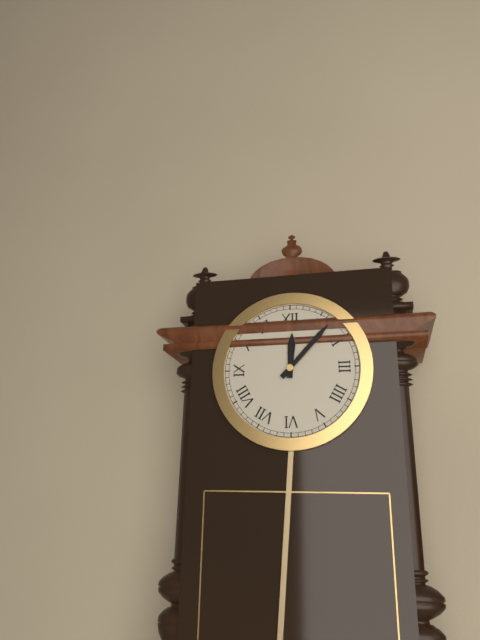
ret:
12:07
